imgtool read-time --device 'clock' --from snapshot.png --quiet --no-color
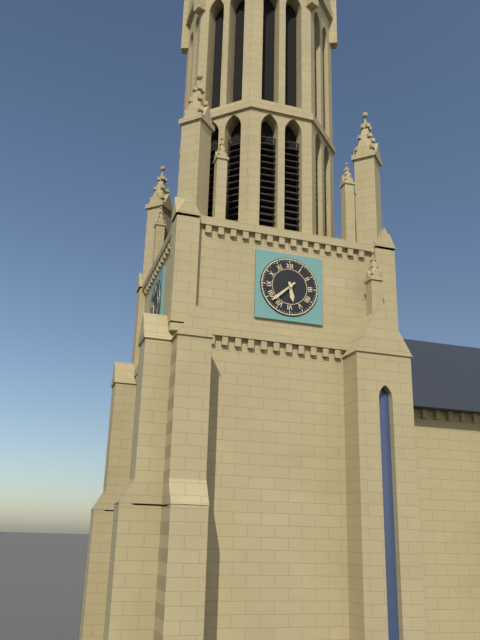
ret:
5:38
